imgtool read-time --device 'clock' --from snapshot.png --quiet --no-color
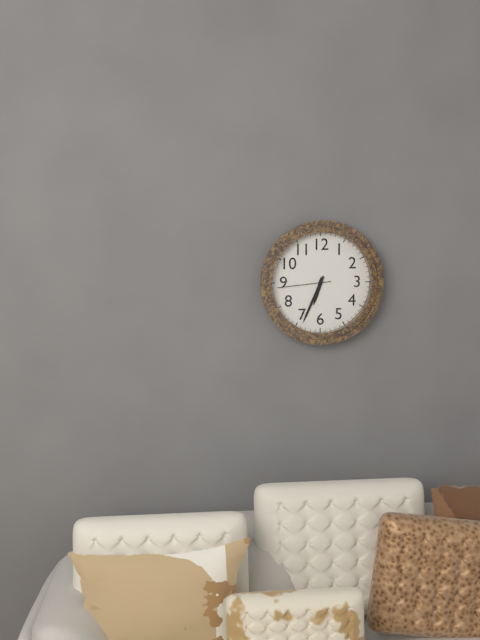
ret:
6:34:44
